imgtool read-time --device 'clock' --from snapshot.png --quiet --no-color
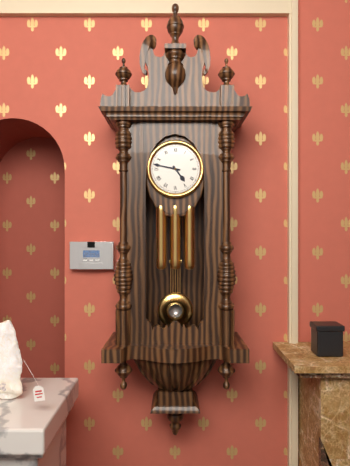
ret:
4:47
